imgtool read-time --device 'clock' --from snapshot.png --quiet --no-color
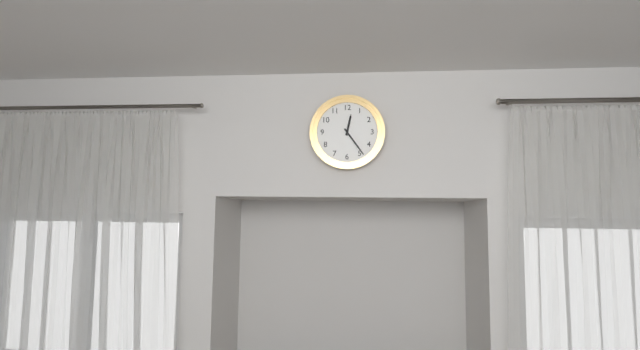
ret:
12:24
